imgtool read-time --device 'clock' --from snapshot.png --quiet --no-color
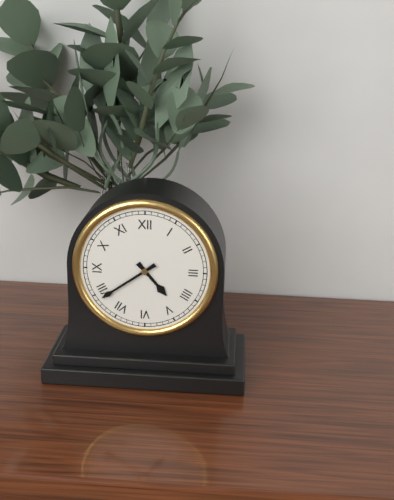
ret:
4:39
